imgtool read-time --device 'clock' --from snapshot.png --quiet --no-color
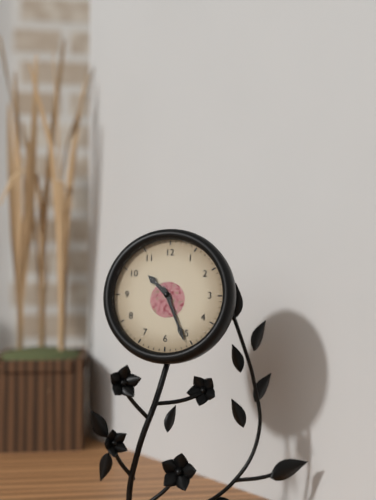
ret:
10:26
